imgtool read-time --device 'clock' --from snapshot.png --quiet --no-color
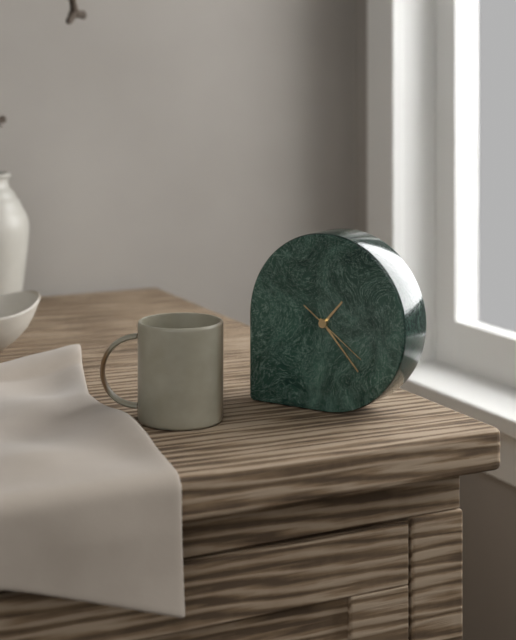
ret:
1:23:21
